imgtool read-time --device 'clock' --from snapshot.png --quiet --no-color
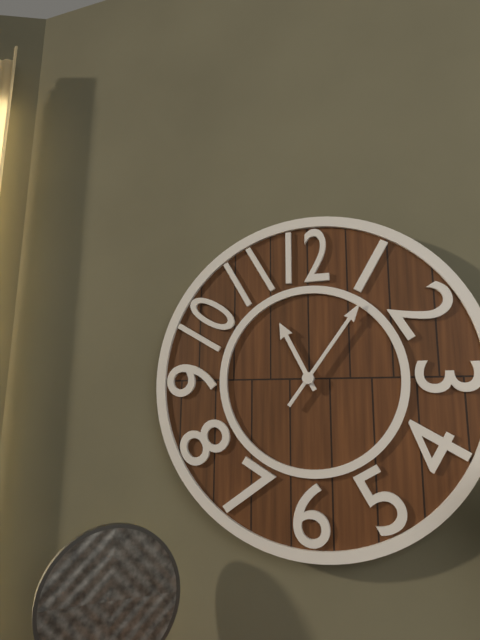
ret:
11:06
